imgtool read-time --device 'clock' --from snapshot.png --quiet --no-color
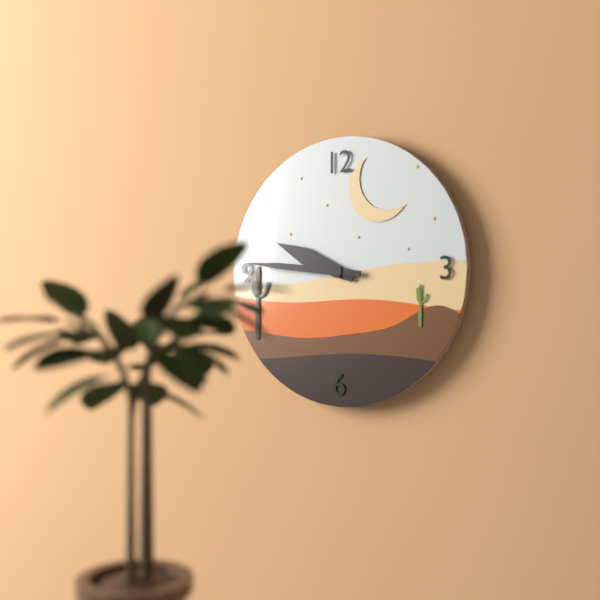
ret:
9:46
